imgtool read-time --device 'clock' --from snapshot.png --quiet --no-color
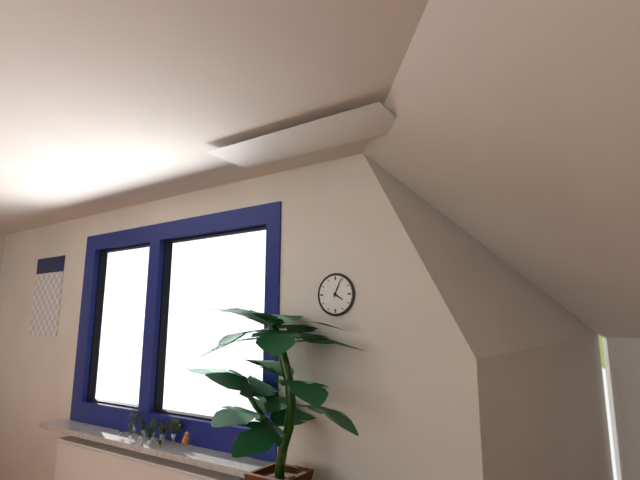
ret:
4:04
